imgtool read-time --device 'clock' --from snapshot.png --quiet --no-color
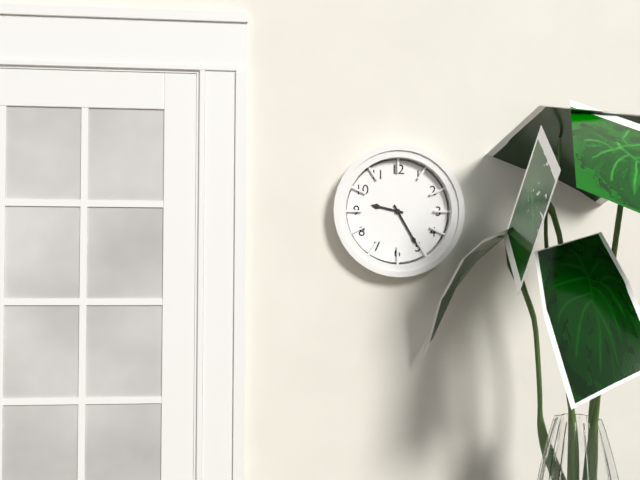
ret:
9:25
